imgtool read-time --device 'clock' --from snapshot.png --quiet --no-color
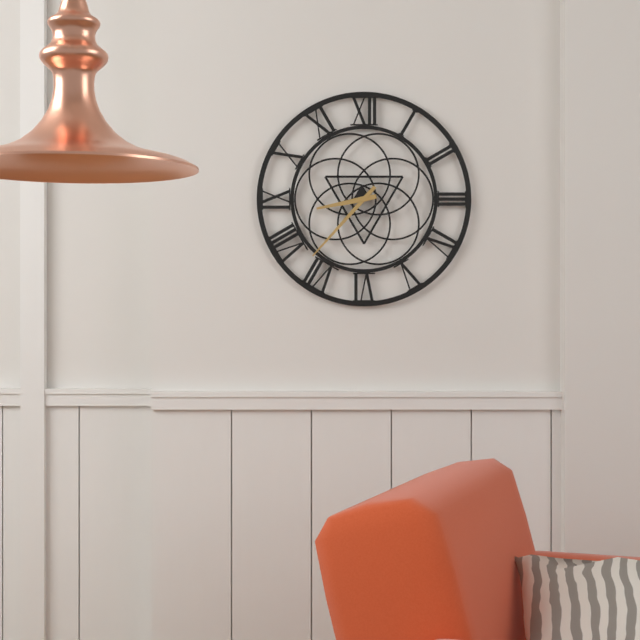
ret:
8:37
